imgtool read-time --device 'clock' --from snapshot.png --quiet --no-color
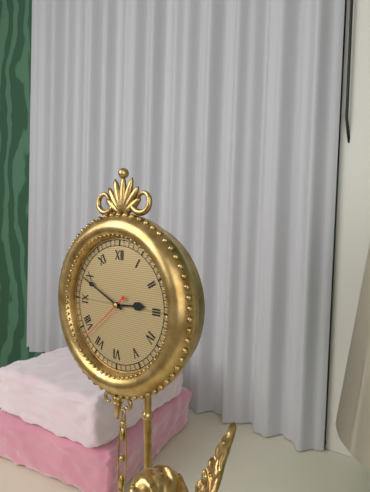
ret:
2:49:38
